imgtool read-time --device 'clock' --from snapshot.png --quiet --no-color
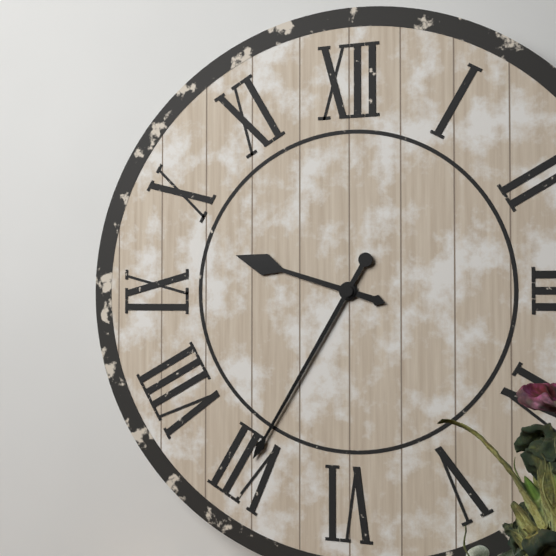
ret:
9:35
